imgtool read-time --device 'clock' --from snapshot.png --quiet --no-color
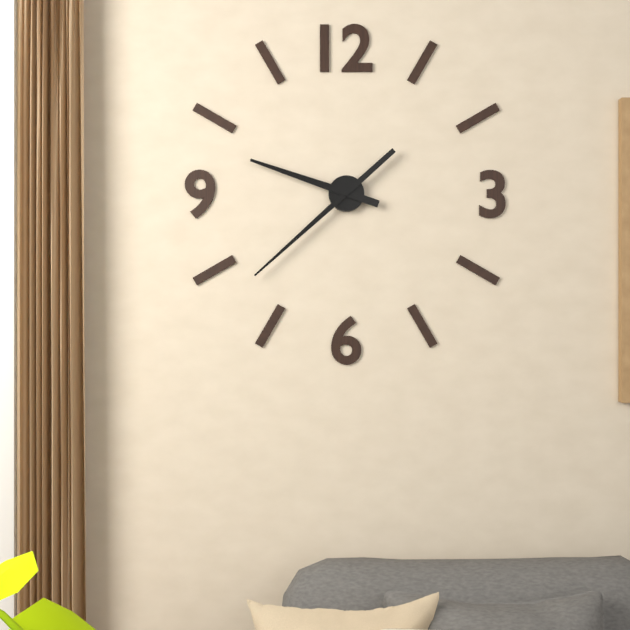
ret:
9:38
